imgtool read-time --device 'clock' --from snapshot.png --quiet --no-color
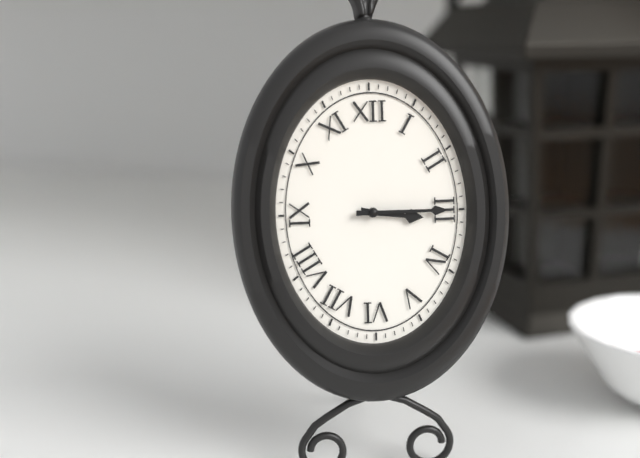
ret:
3:15
